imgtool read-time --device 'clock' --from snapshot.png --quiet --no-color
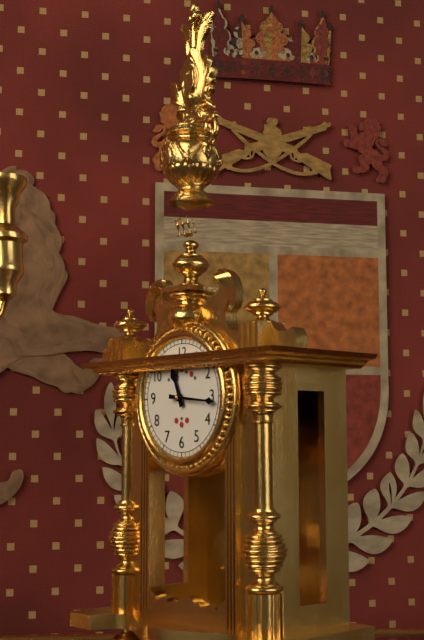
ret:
11:16
